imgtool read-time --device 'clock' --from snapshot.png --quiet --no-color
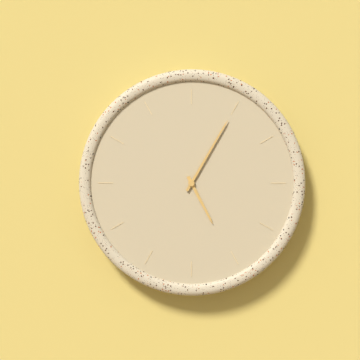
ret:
5:05
